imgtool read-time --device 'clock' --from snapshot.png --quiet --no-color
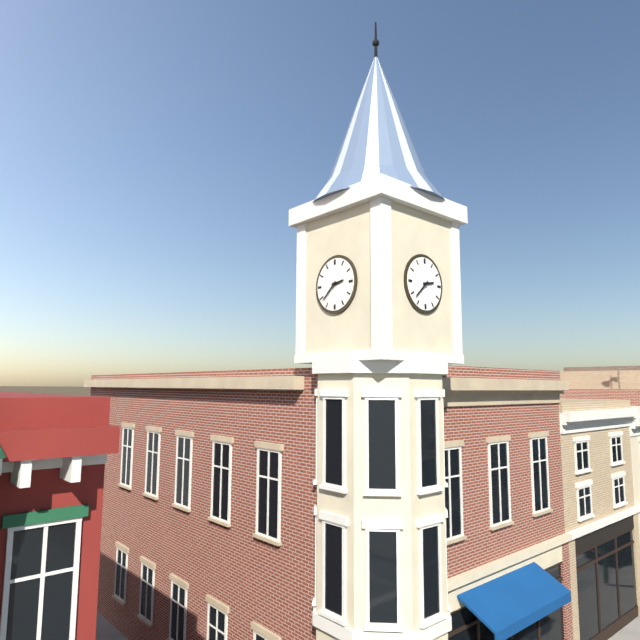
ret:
2:38
